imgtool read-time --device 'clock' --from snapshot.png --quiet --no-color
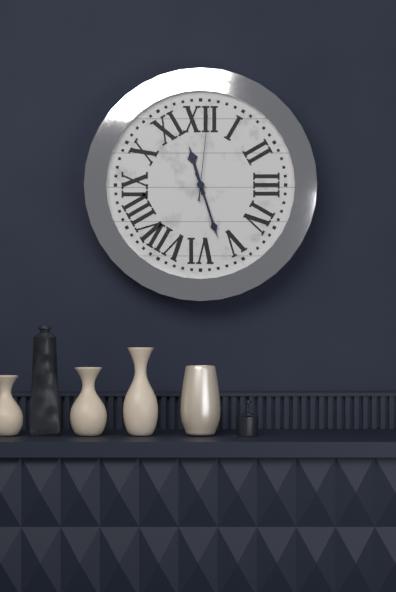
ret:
11:27:01
